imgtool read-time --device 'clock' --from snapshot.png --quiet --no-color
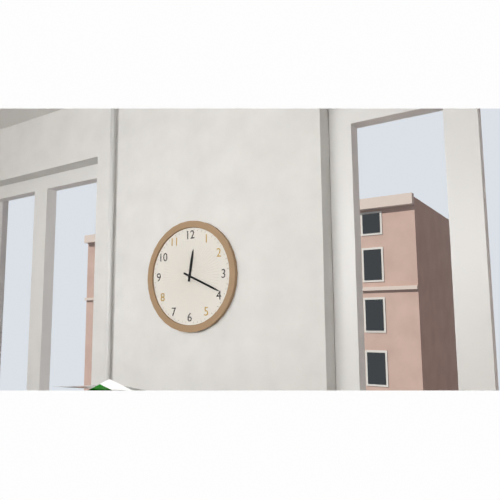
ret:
12:19
